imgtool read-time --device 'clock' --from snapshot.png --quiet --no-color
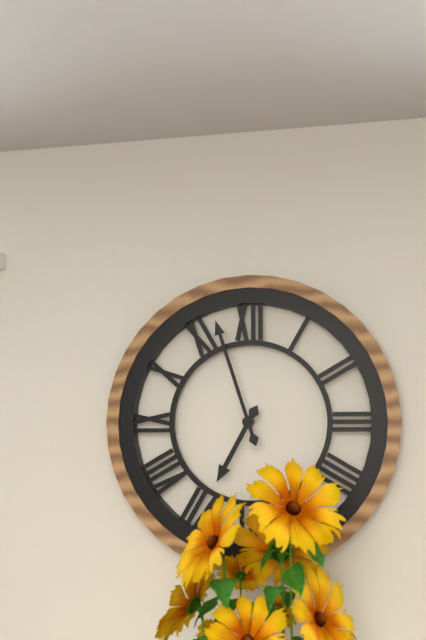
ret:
6:57
